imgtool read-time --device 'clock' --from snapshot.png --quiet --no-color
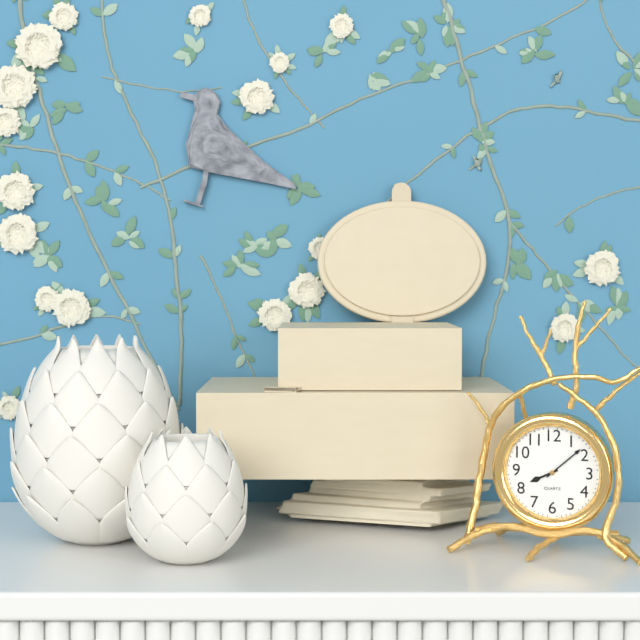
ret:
8:08
